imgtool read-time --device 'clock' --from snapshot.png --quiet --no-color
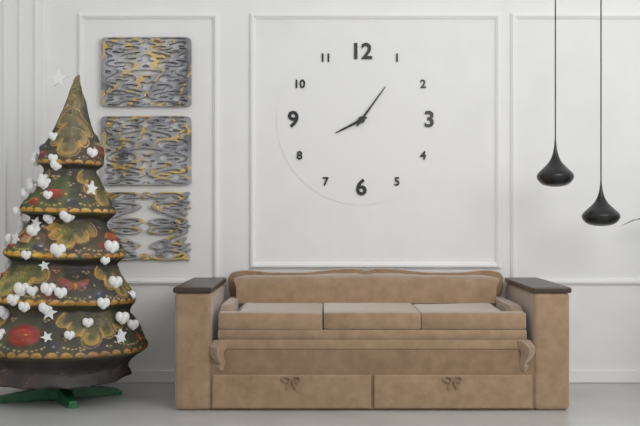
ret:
8:06
